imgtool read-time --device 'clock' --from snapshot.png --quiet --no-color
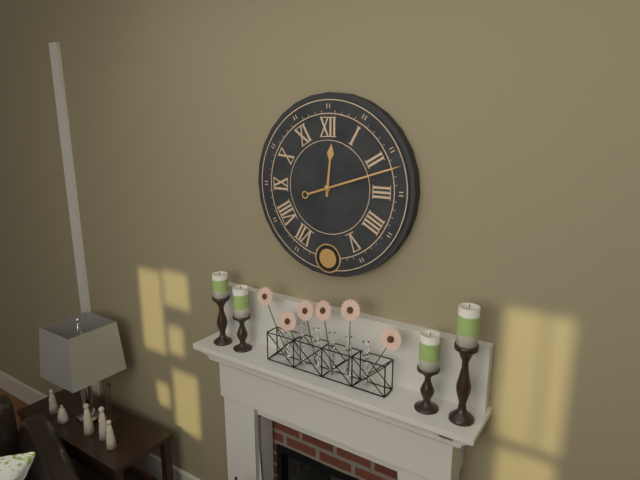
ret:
12:12
